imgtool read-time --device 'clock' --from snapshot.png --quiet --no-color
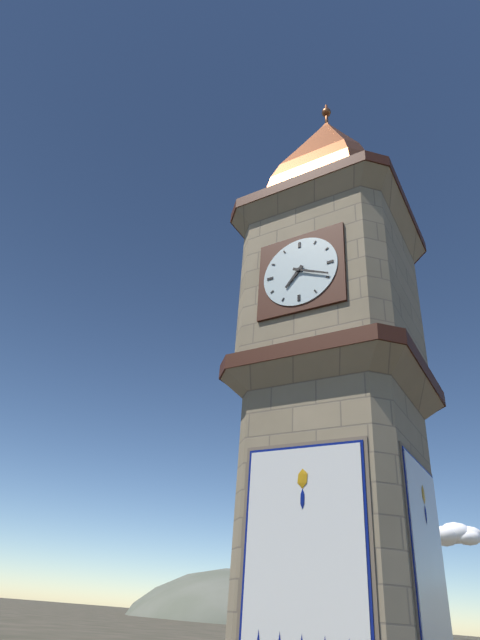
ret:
7:19
